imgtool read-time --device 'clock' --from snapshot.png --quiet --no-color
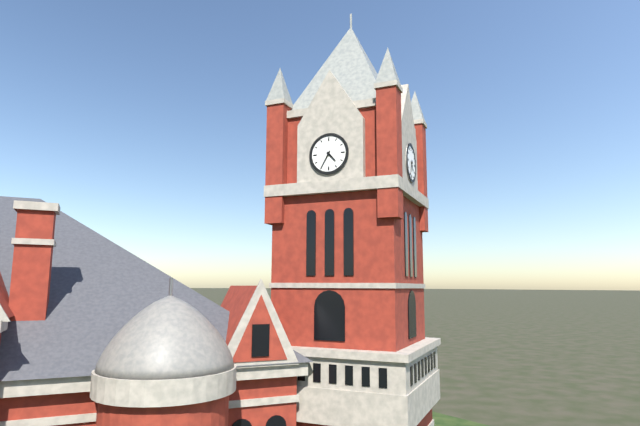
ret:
4:35
